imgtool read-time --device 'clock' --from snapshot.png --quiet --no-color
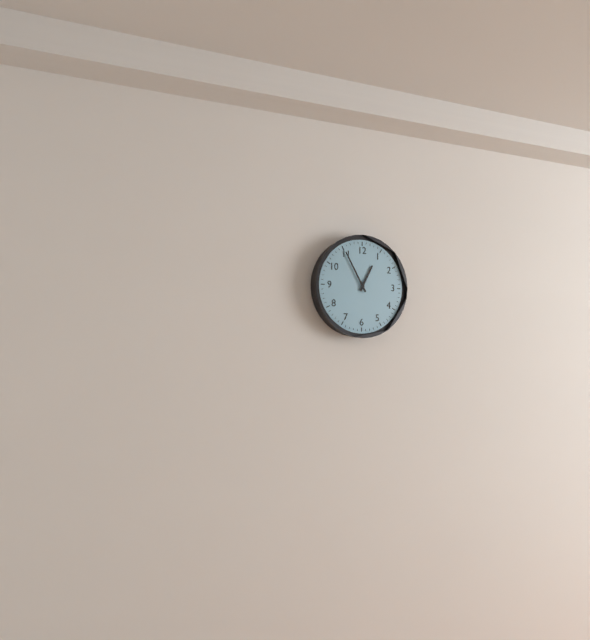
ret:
12:55
